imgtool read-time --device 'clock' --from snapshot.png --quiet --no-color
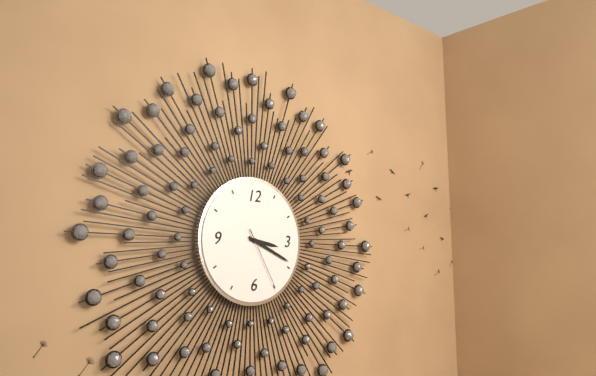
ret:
3:19:25
